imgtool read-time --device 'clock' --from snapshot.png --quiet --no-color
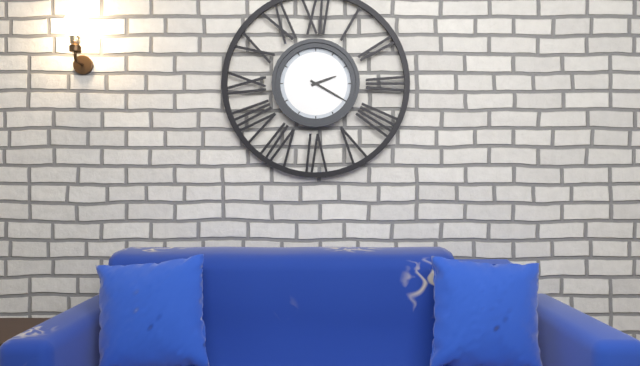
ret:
2:20
